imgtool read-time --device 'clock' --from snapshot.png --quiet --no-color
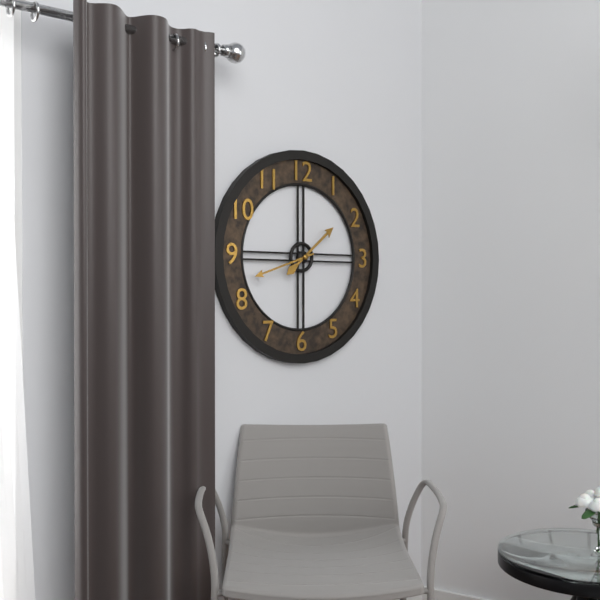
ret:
1:42
